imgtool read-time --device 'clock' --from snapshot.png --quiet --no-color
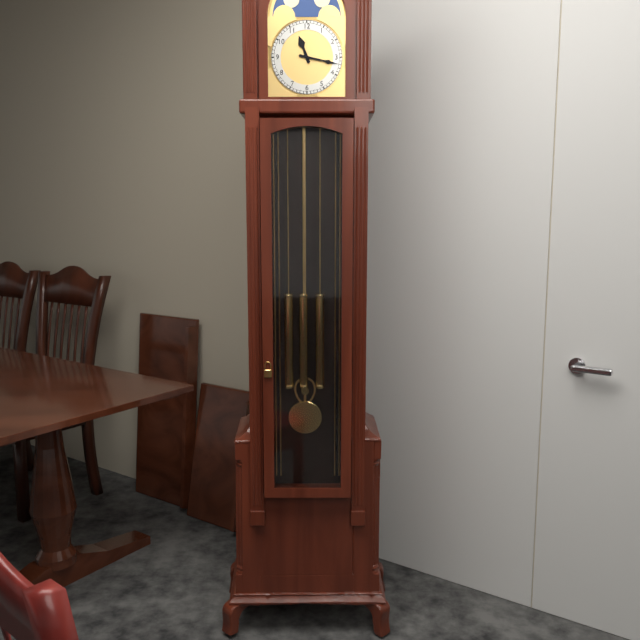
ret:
11:17
